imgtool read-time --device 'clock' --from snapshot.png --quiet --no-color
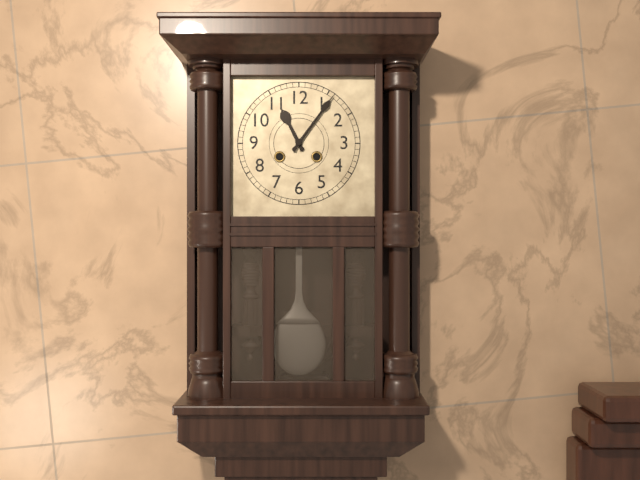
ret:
11:06
